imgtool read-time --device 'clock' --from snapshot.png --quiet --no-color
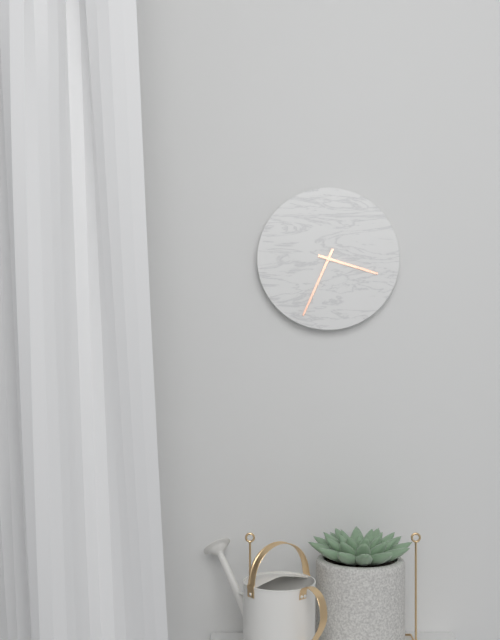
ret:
3:34
